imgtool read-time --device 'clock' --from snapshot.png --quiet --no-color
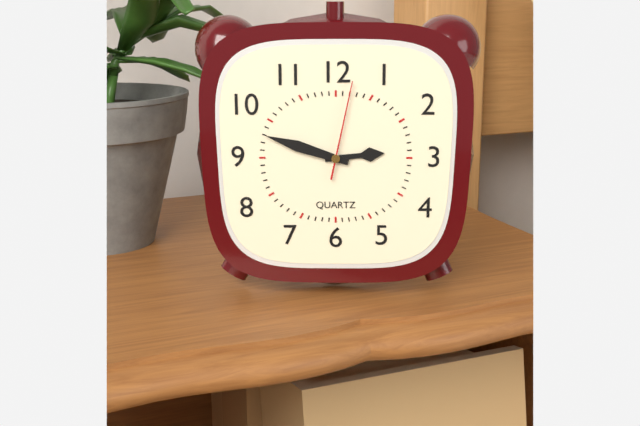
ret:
2:48:02
